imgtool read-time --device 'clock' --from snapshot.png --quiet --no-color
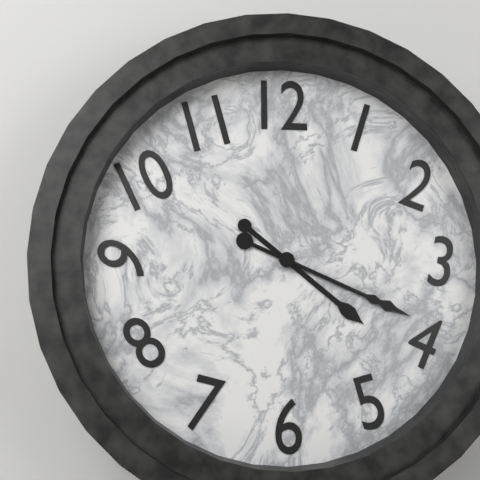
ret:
4:19
